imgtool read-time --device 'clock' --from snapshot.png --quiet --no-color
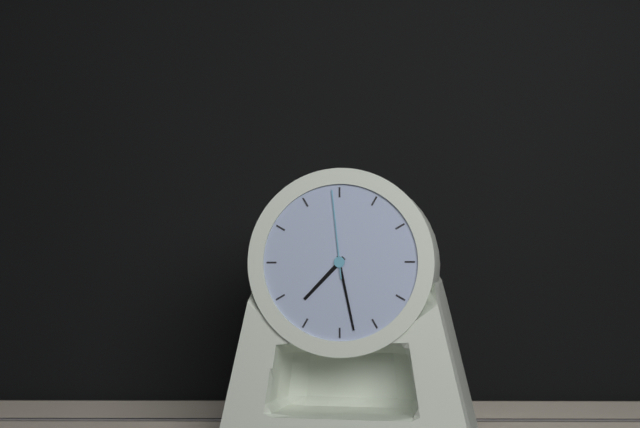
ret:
7:28:59
